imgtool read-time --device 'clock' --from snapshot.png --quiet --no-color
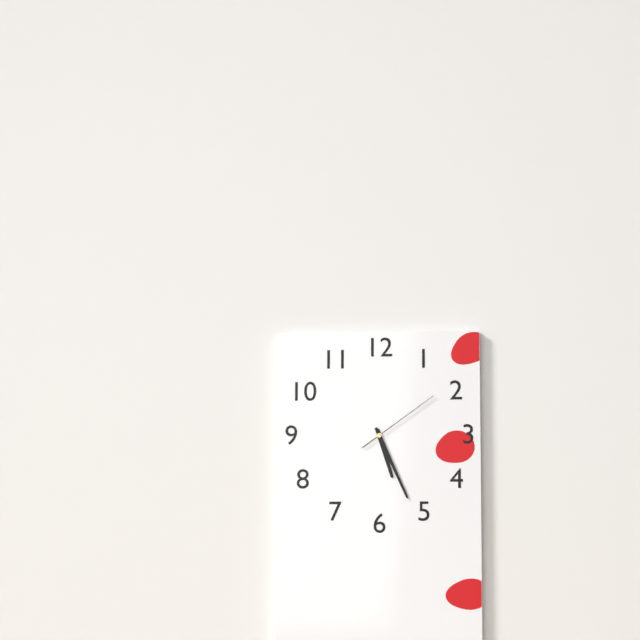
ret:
5:26:09
